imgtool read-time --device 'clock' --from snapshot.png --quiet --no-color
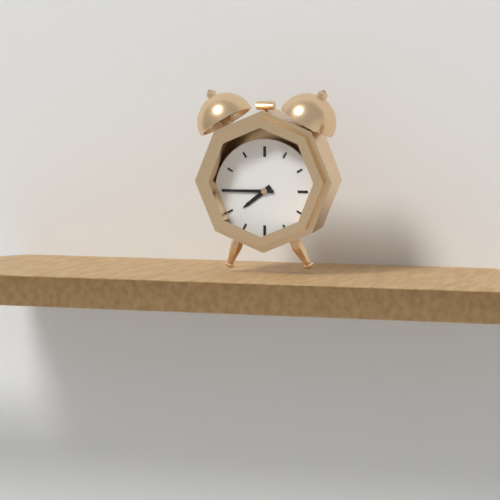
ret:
7:45
